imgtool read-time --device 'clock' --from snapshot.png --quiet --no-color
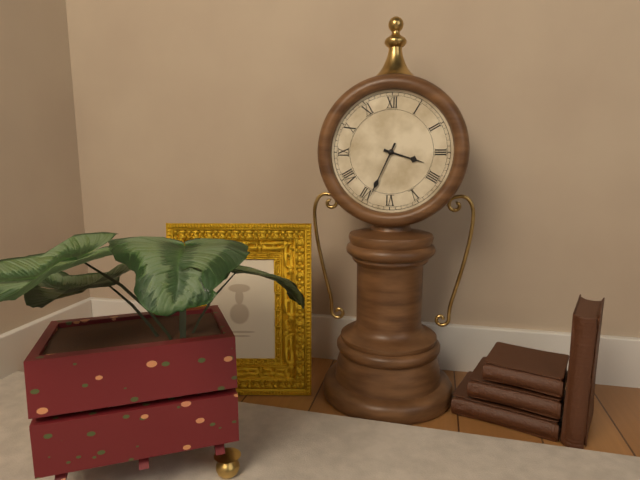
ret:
3:34
